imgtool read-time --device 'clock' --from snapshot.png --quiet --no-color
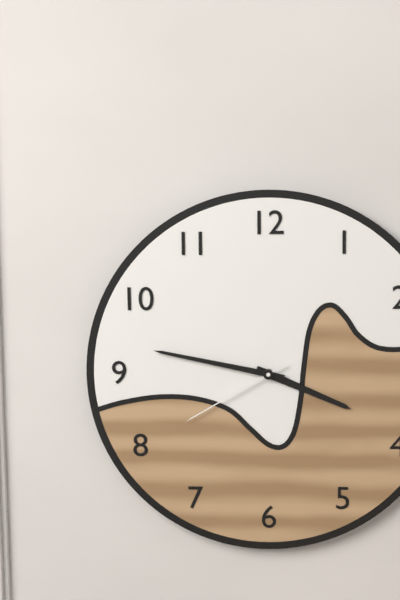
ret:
3:47:40
